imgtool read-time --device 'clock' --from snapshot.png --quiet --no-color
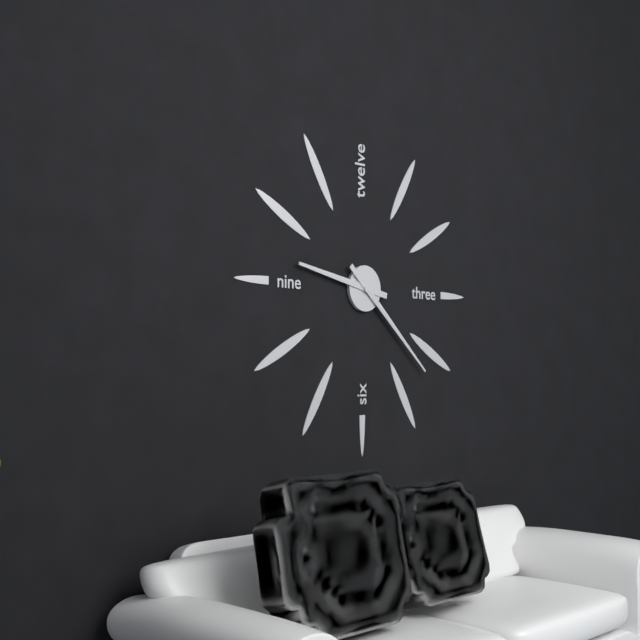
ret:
9:22
